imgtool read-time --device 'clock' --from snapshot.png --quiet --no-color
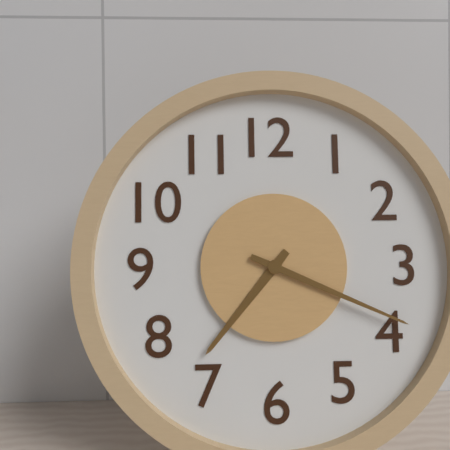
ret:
7:19
